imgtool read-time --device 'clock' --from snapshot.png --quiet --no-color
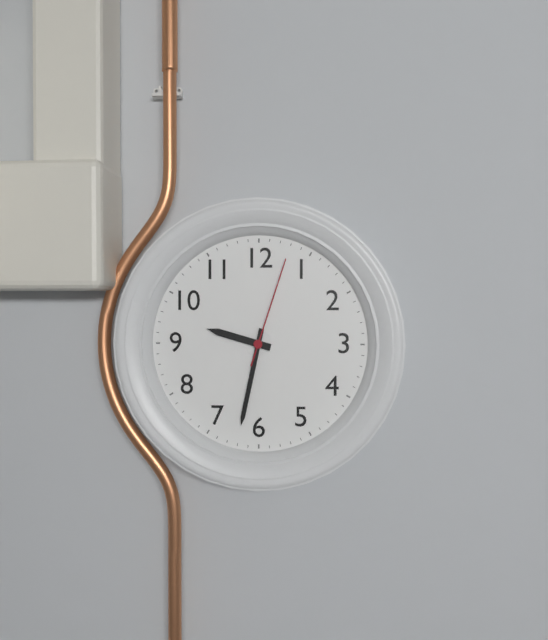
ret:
9:32:03
